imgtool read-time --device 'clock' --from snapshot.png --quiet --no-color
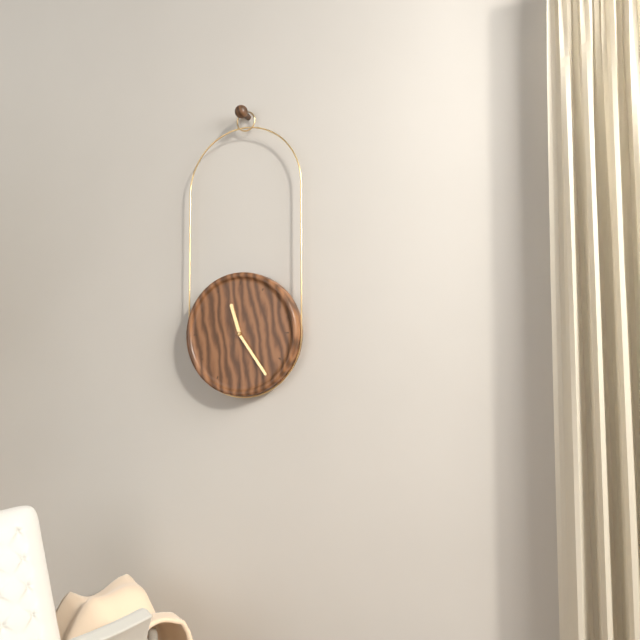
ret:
11:24
